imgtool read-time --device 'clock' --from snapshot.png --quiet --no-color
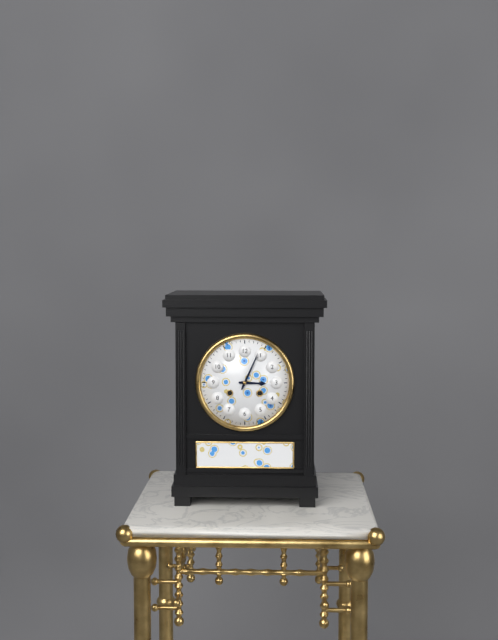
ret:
3:04
